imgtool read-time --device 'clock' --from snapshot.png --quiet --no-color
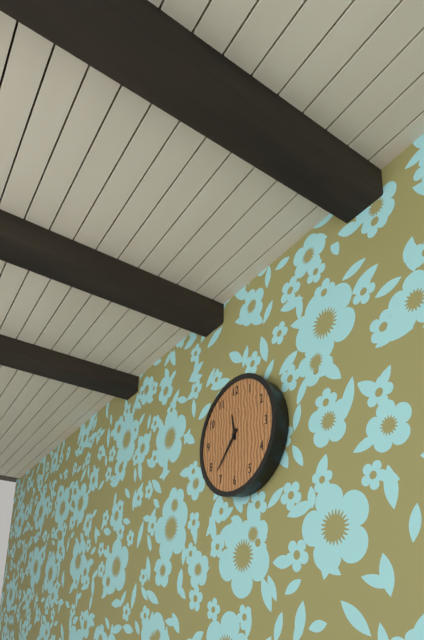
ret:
11:37
